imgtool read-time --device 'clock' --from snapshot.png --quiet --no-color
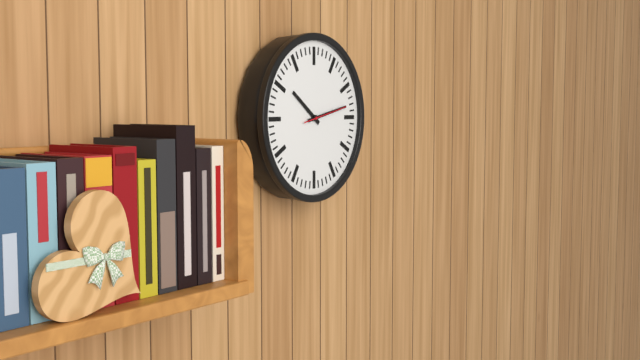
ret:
10:13
